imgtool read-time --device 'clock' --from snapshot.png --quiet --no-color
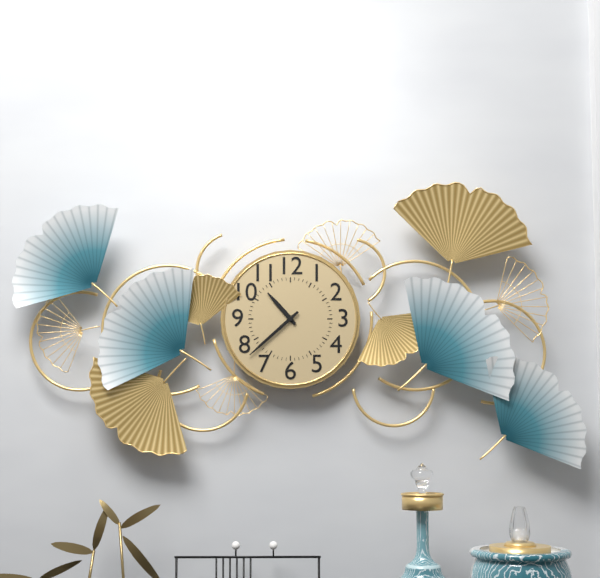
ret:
10:38
